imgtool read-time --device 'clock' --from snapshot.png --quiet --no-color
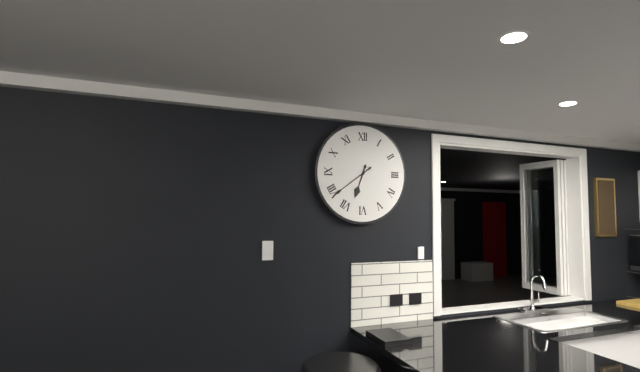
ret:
6:39
